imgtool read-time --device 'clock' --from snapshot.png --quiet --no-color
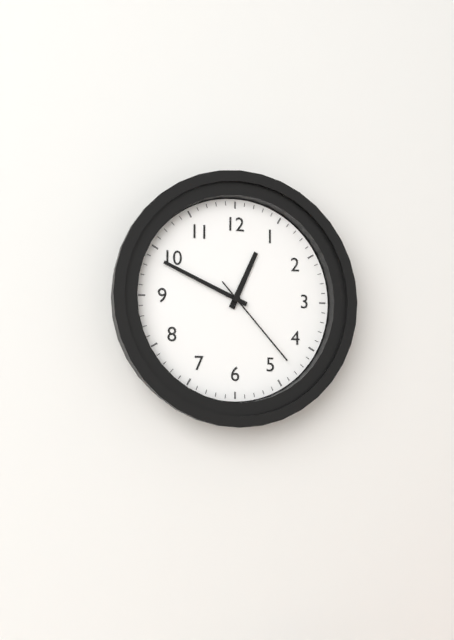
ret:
12:49:23
